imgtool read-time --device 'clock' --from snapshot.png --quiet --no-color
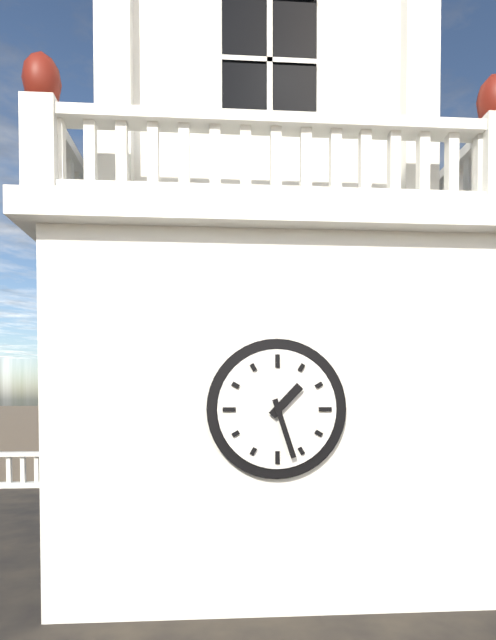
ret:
1:27
